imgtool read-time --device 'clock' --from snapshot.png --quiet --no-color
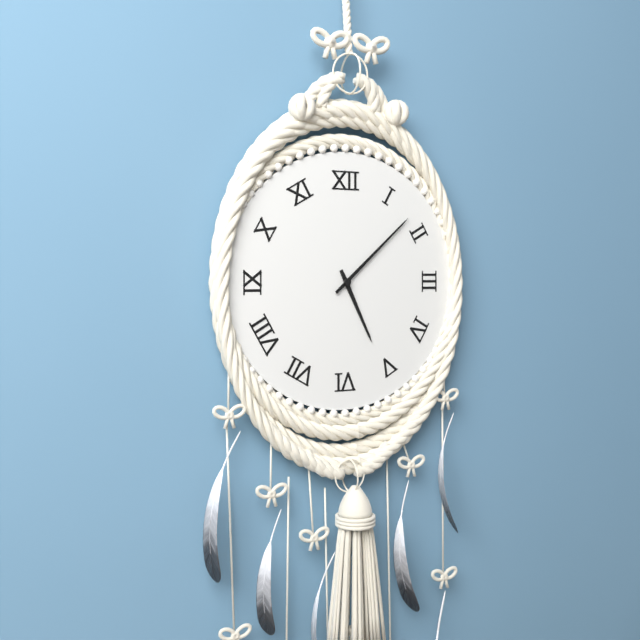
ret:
5:08
